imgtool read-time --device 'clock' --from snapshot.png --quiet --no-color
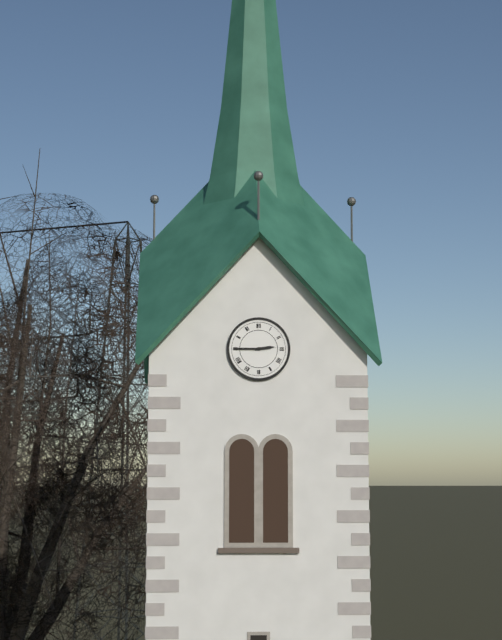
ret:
2:45
